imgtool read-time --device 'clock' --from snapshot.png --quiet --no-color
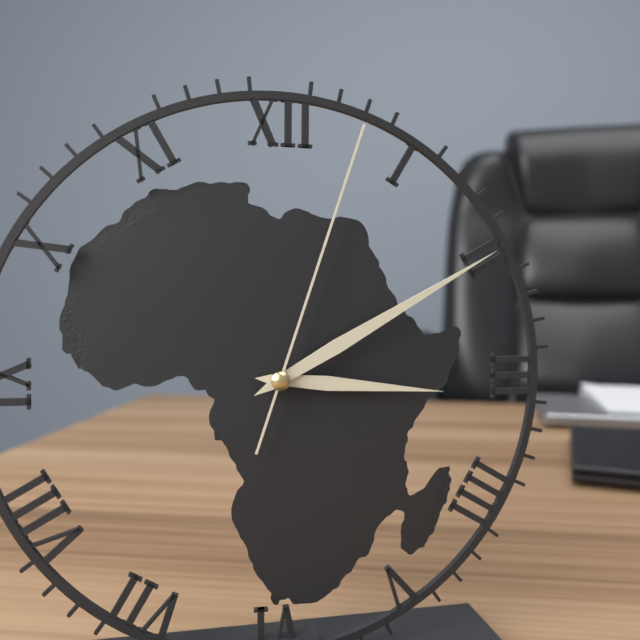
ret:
3:10:03
